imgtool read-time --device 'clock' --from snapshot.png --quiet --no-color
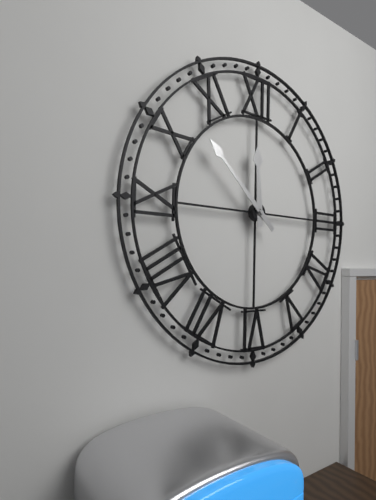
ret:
11:52
